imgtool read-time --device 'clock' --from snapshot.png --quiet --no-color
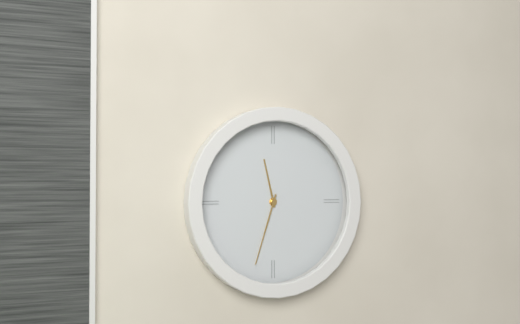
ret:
11:33
